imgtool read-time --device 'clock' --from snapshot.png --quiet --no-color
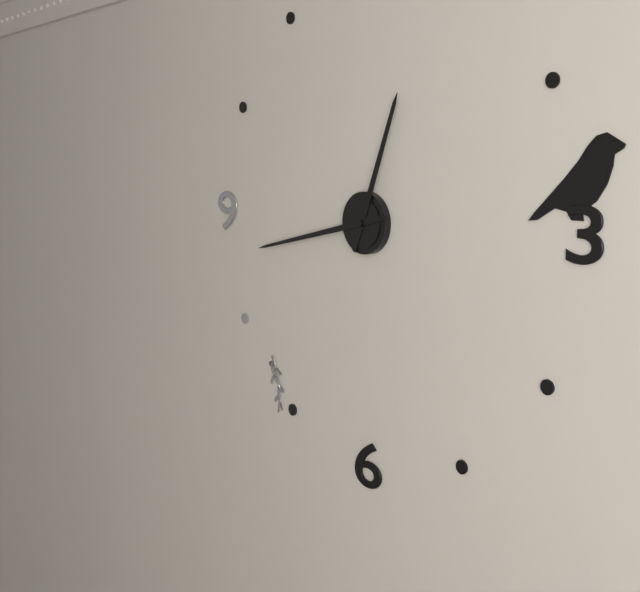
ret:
12:43
